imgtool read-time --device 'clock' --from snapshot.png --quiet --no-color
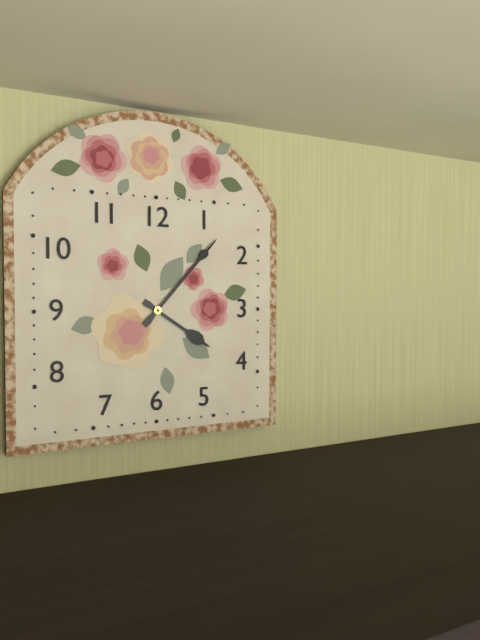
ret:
4:07
